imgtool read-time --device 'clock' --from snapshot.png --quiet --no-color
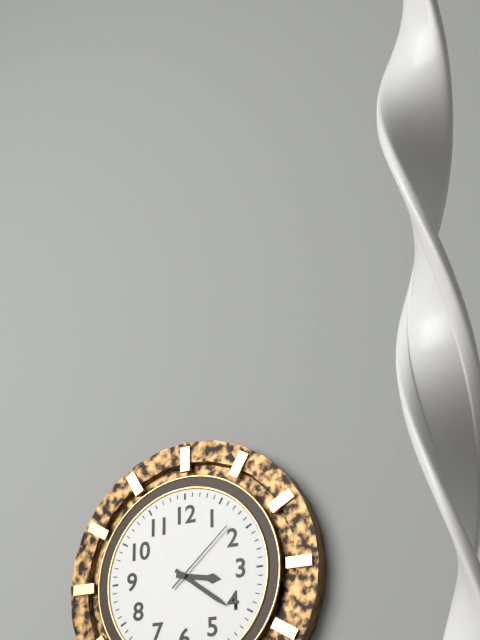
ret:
3:21:08
